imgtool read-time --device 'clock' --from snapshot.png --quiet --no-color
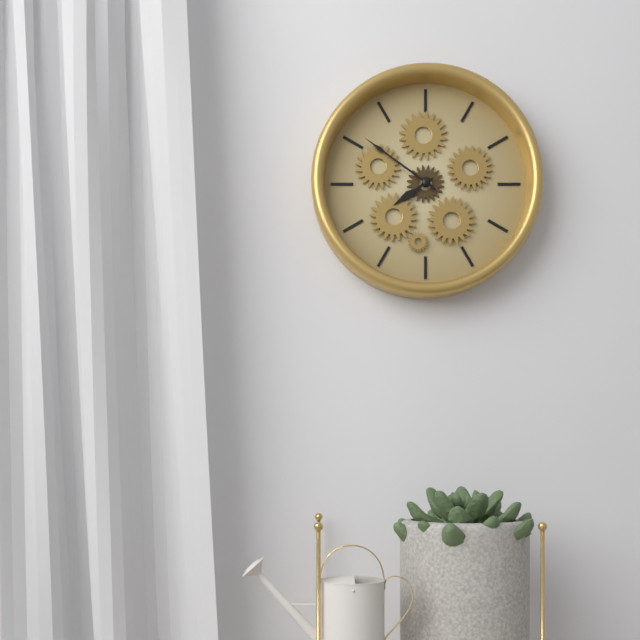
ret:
7:51
